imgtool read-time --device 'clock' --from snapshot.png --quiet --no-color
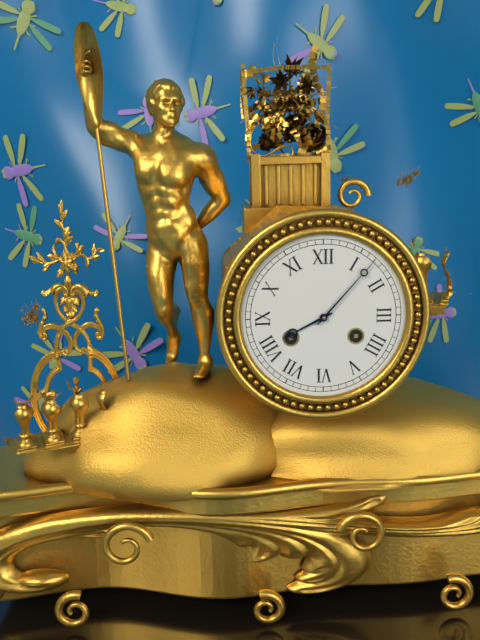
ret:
8:07
